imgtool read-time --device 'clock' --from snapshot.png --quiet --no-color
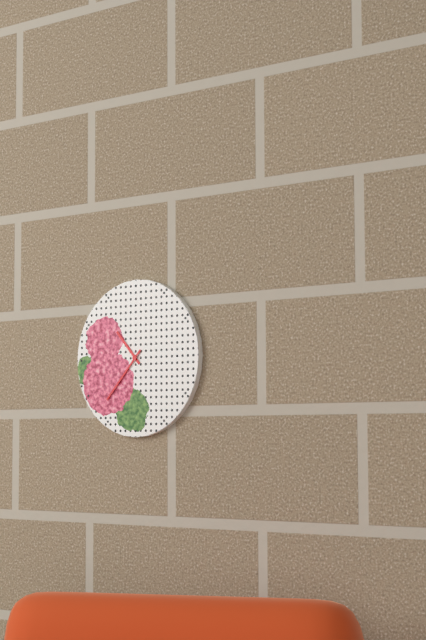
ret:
10:37
